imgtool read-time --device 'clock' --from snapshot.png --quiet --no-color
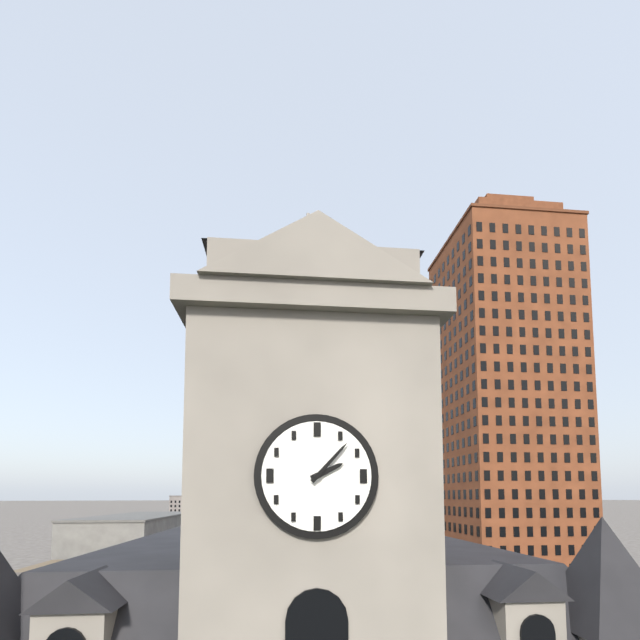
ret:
2:07
